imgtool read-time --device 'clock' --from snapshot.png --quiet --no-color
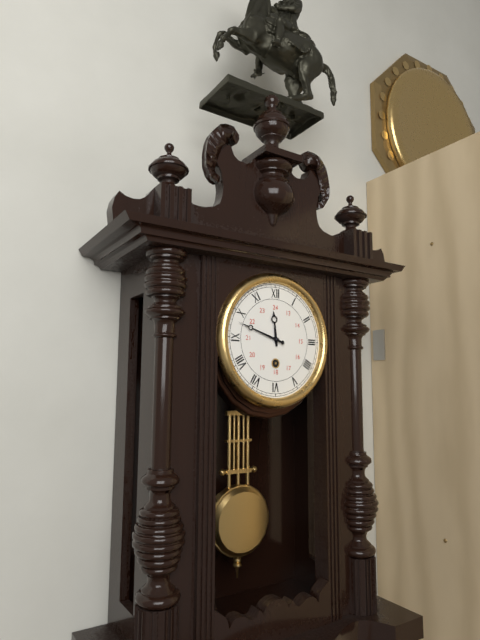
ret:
11:48
